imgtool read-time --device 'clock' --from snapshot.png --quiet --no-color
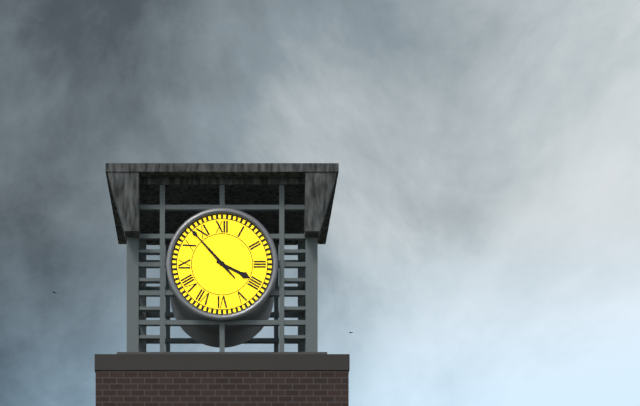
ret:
3:53
